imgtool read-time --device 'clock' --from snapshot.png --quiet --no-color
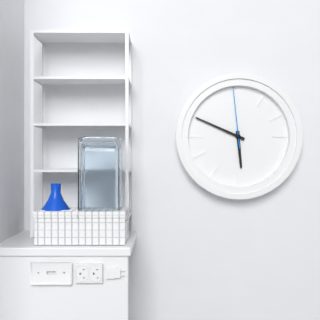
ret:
5:49:59
